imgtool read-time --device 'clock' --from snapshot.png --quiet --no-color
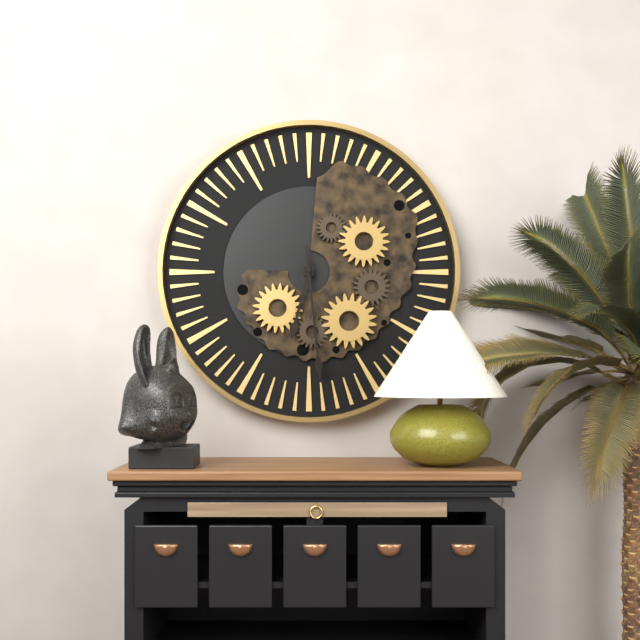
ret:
6:29
